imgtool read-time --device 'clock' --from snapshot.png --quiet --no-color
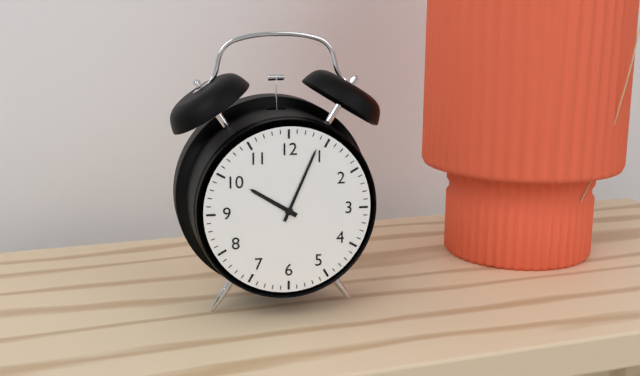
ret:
10:04
